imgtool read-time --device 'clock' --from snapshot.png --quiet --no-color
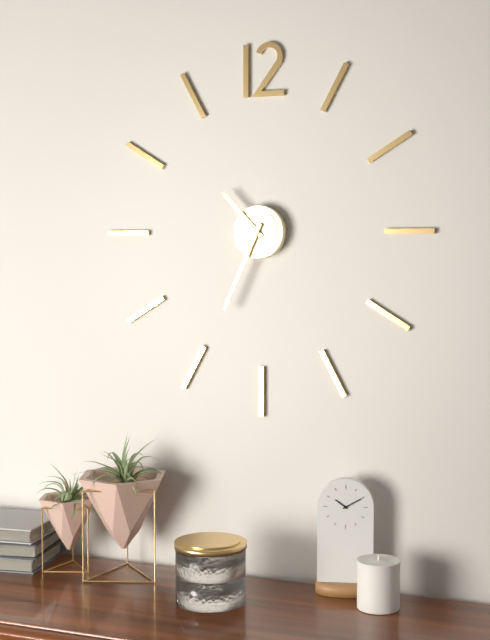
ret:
10:34
